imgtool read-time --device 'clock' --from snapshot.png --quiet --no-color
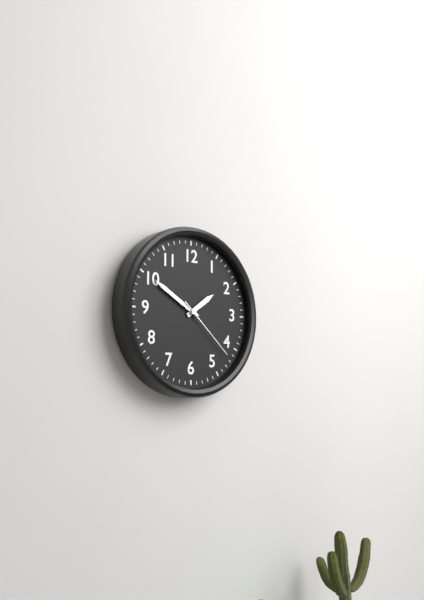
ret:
1:50:22
